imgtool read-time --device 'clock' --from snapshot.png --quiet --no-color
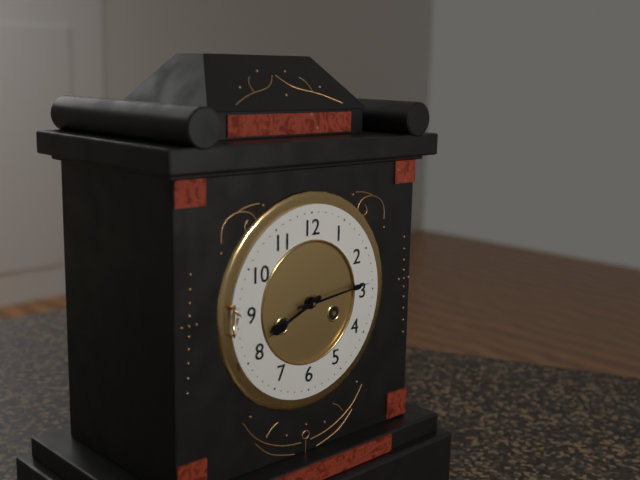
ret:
8:14
